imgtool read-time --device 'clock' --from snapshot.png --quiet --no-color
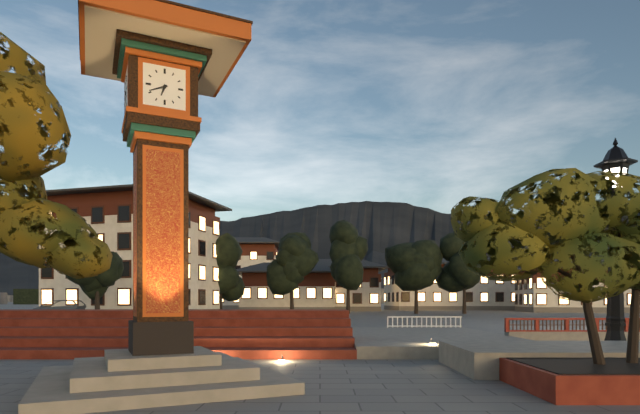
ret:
6:41
